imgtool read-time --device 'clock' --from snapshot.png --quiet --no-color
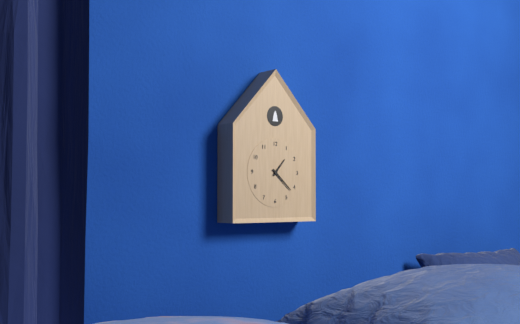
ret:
1:22
